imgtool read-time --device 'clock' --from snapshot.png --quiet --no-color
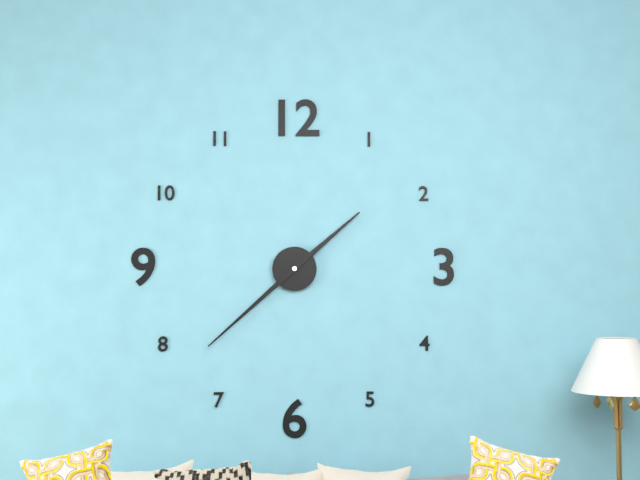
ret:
1:38
